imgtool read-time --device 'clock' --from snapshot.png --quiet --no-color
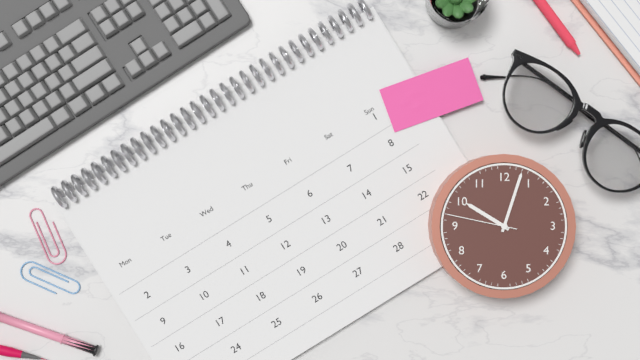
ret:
10:03:47
